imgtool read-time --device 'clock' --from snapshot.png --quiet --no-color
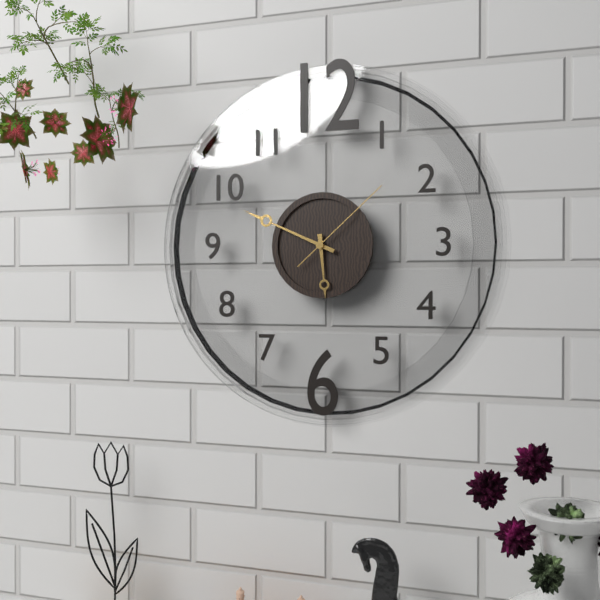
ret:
5:49:08
